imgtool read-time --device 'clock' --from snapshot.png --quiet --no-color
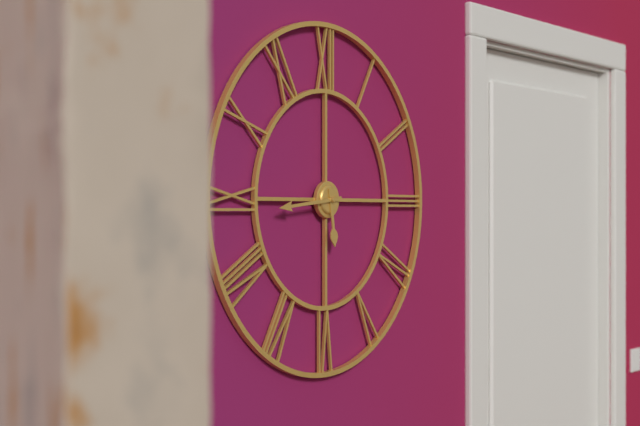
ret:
5:44
